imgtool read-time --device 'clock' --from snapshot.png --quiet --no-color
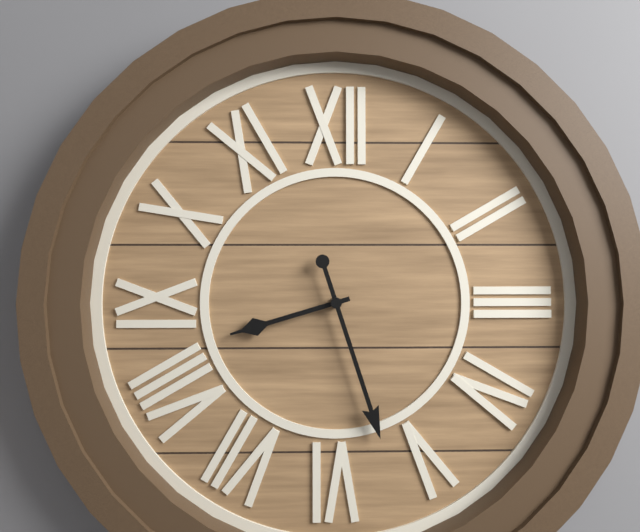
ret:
8:27
